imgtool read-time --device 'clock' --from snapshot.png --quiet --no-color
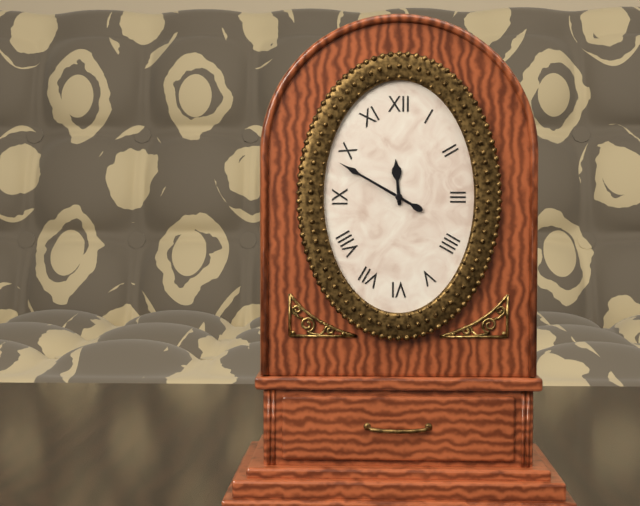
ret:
11:50
